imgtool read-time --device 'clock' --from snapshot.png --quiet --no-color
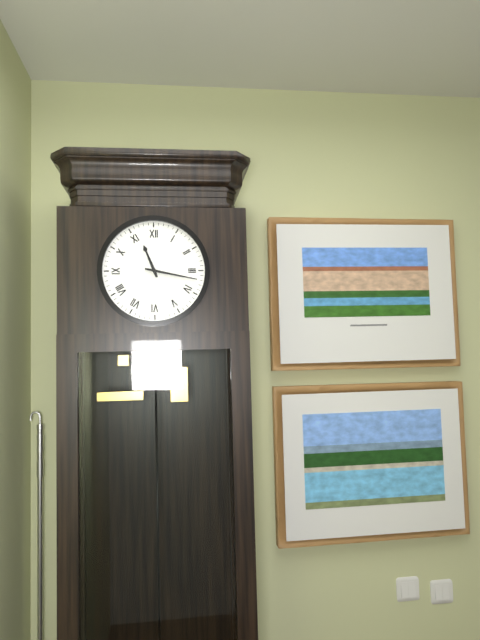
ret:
11:17
